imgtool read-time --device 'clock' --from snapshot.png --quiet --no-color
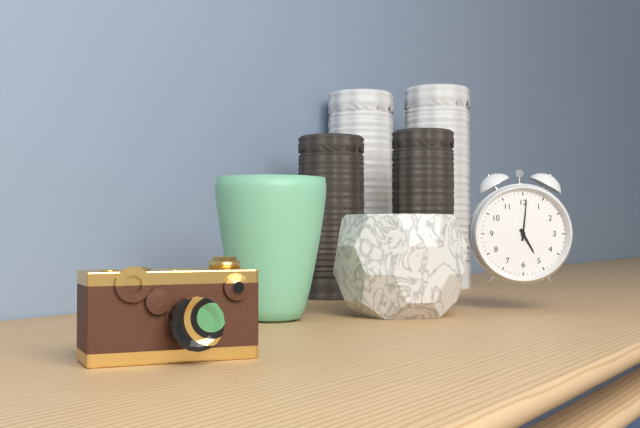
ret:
5:01
